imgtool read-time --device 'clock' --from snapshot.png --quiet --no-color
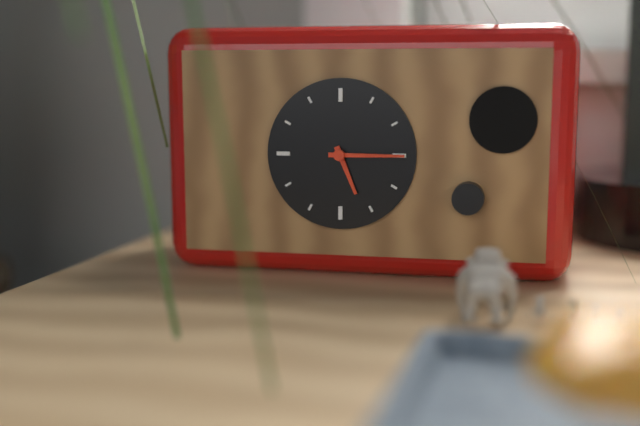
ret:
5:15
